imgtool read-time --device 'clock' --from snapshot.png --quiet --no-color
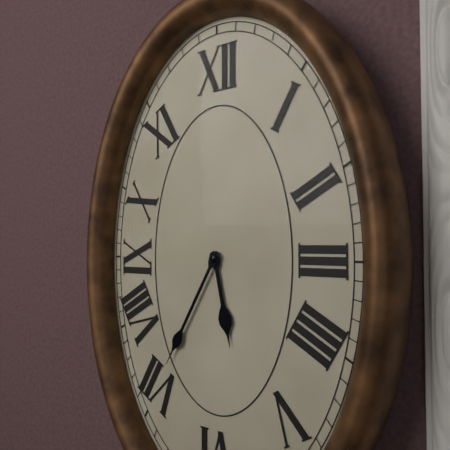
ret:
5:35
